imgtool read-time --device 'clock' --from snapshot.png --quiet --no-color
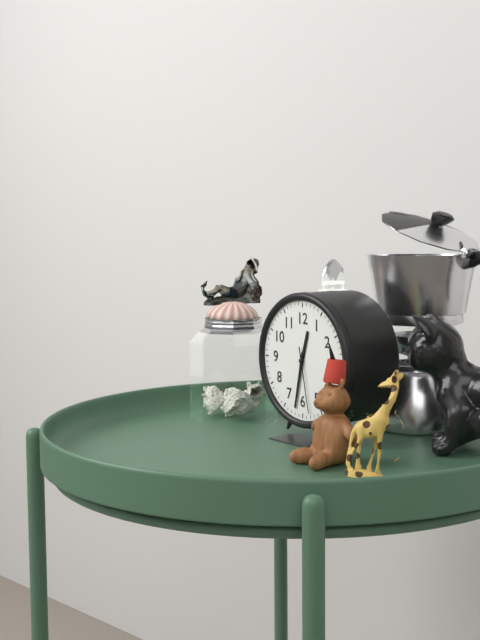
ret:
12:32:28
